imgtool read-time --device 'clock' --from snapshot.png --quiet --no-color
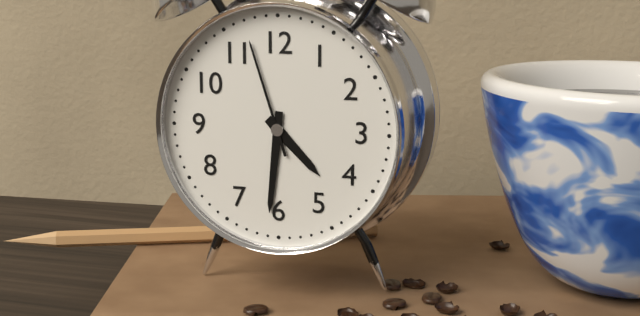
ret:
4:31:57
